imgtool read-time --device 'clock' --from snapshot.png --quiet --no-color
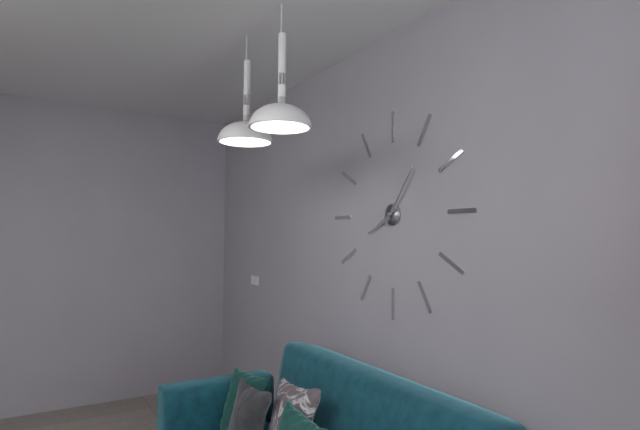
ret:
8:06
